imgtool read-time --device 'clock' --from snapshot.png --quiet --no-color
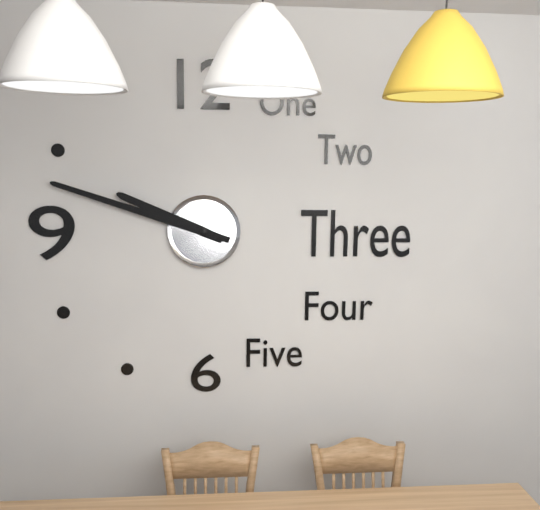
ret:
9:48
